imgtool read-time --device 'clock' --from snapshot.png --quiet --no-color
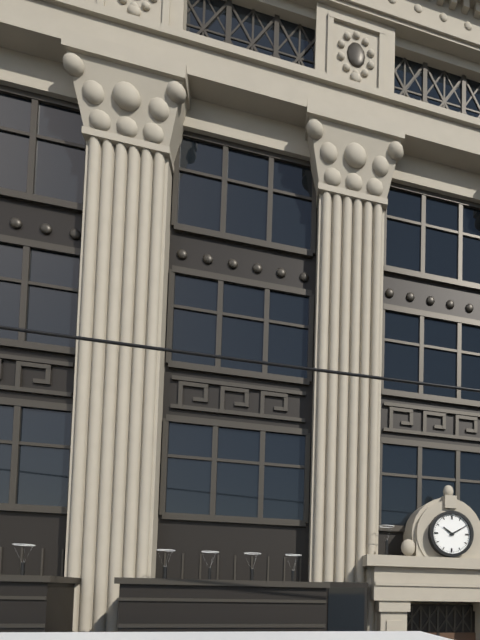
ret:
10:10
